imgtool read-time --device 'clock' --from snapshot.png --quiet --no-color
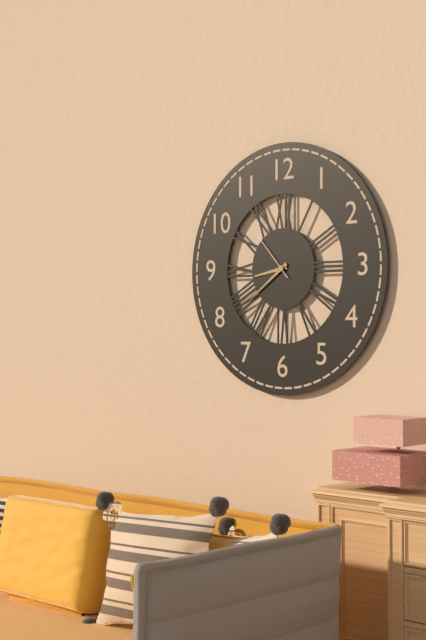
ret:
8:39:53
